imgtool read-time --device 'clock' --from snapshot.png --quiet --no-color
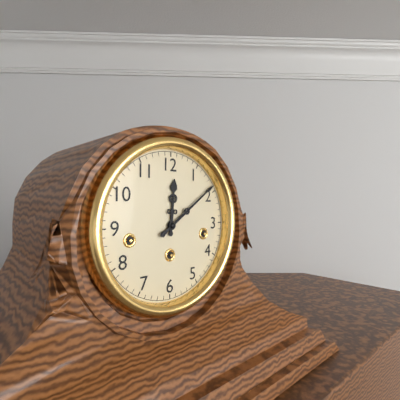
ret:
12:09
